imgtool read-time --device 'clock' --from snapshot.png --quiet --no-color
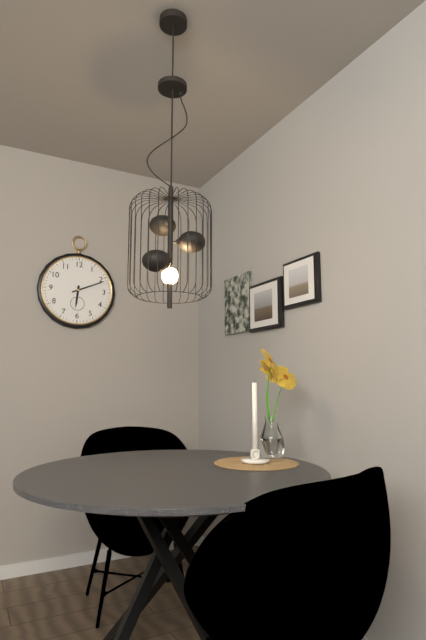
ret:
6:11
